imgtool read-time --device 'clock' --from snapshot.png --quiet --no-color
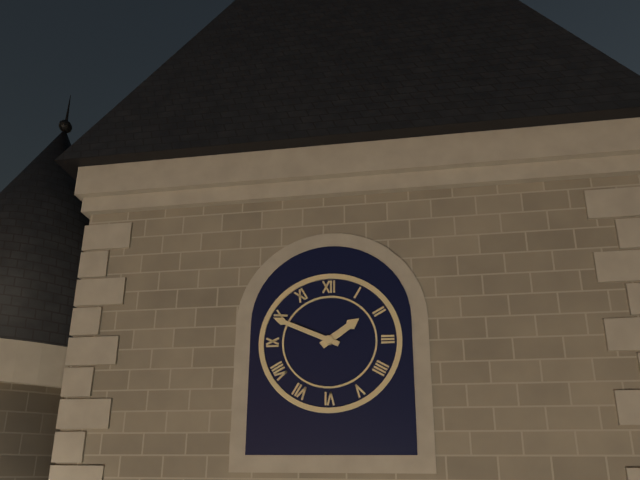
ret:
1:49
